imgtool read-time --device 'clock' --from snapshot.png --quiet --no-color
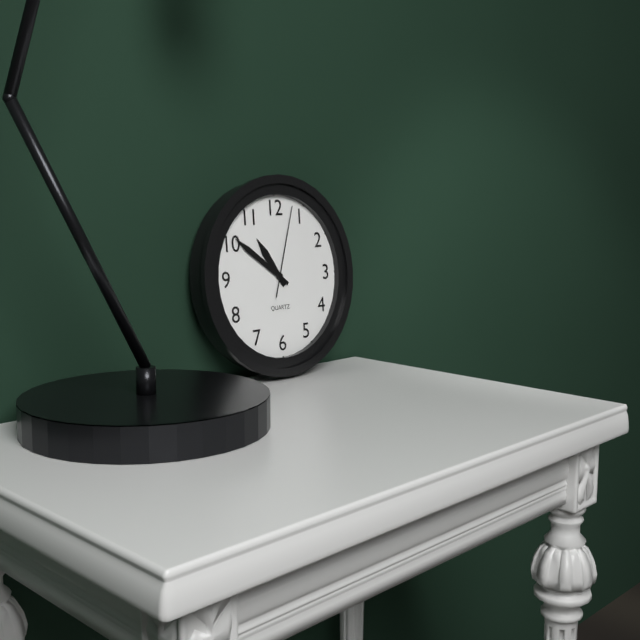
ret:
10:51:03
